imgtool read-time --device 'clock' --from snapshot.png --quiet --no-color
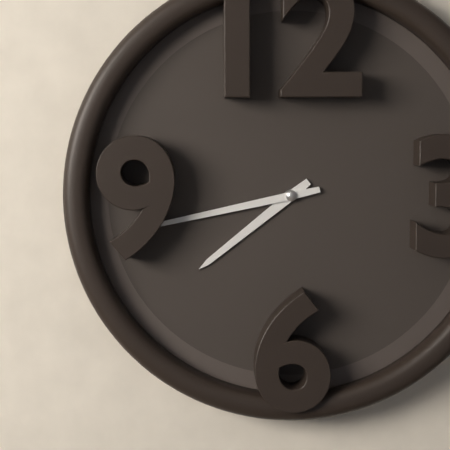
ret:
7:43
